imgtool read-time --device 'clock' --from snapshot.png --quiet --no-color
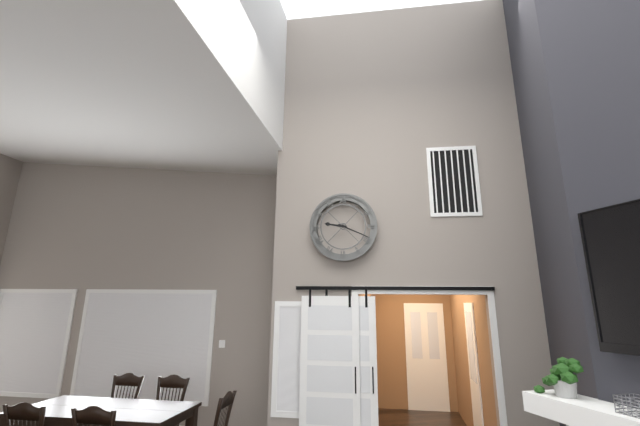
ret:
9:19
